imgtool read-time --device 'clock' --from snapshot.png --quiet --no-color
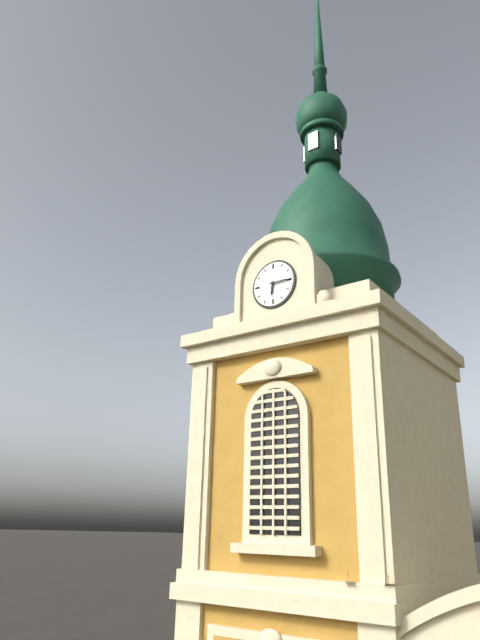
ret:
6:15
